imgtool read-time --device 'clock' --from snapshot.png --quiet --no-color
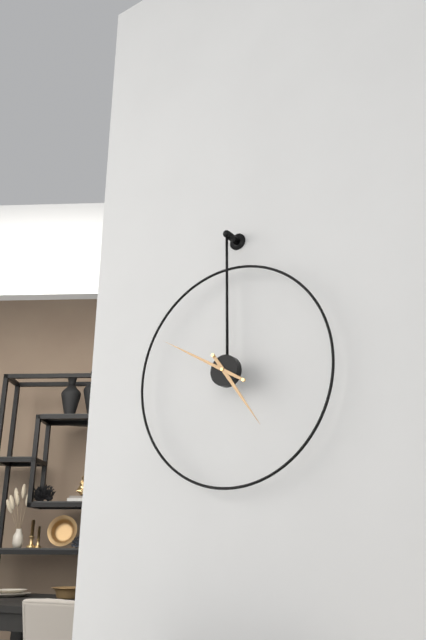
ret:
4:50
